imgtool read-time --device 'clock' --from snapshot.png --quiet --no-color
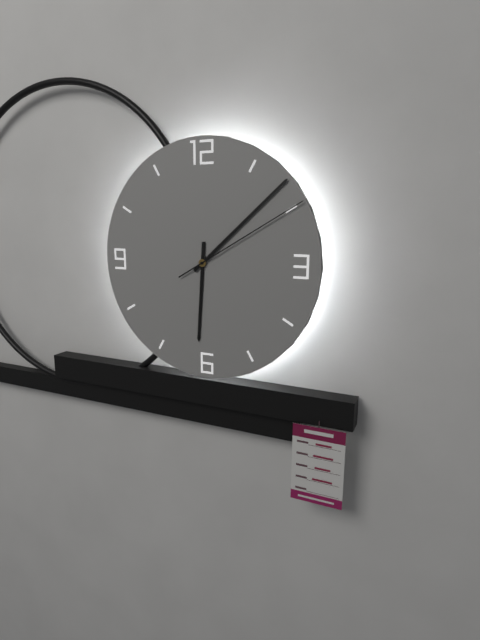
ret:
6:08:10
